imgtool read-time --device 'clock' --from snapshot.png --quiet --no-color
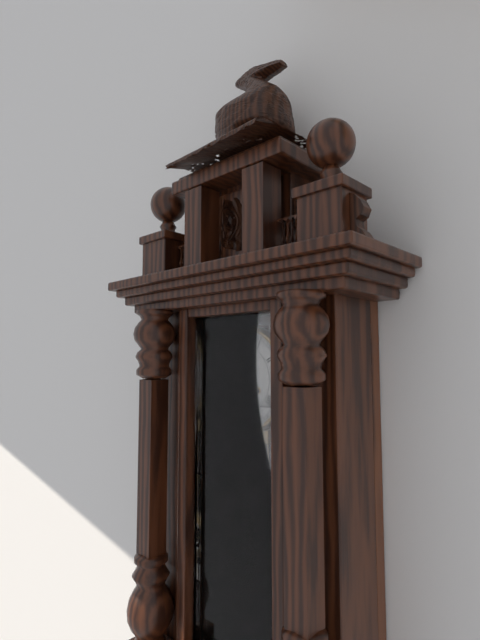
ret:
10:31
